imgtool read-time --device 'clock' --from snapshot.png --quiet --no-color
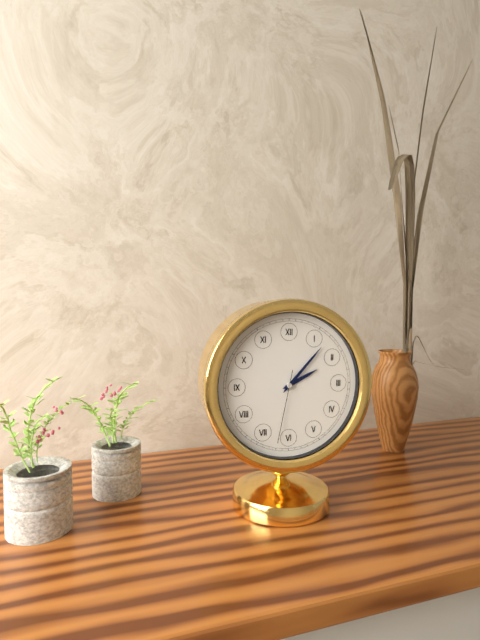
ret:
2:07:32
